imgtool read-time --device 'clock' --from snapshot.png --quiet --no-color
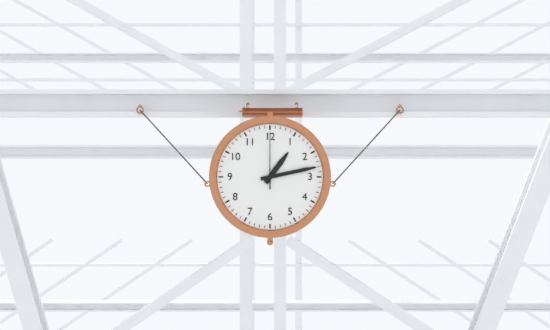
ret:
1:13:00
